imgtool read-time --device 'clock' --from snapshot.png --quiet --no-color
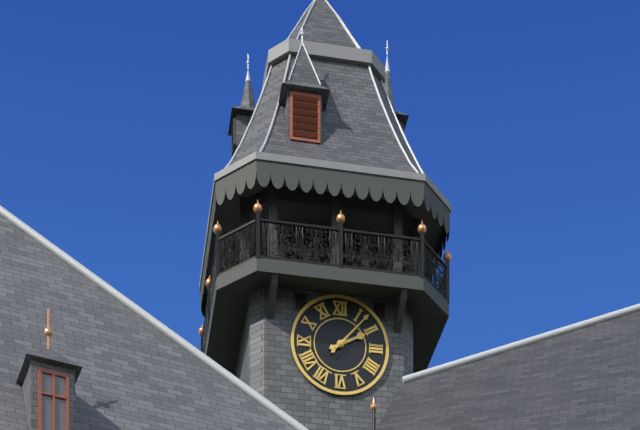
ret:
2:07
